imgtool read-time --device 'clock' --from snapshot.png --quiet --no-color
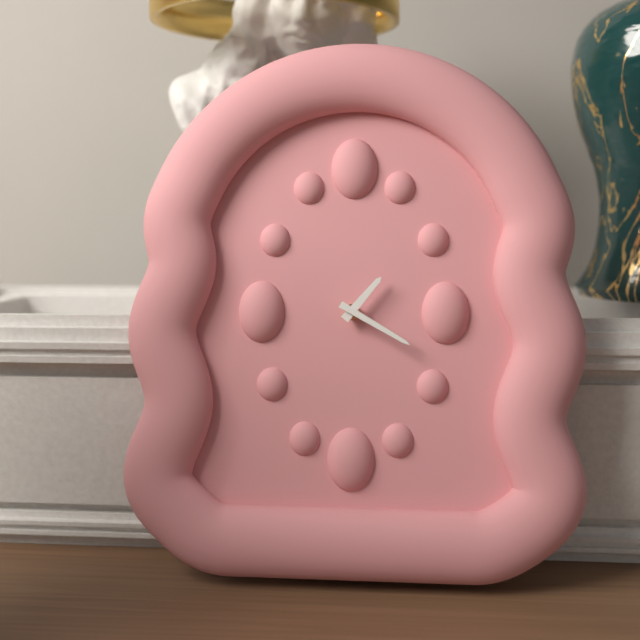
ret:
1:20
